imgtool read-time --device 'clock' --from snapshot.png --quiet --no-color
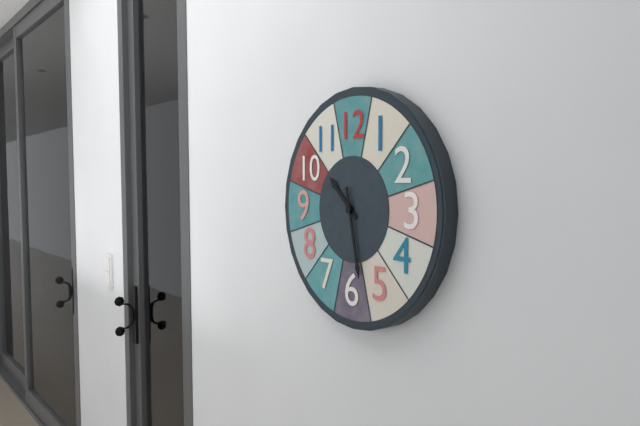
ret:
10:28
